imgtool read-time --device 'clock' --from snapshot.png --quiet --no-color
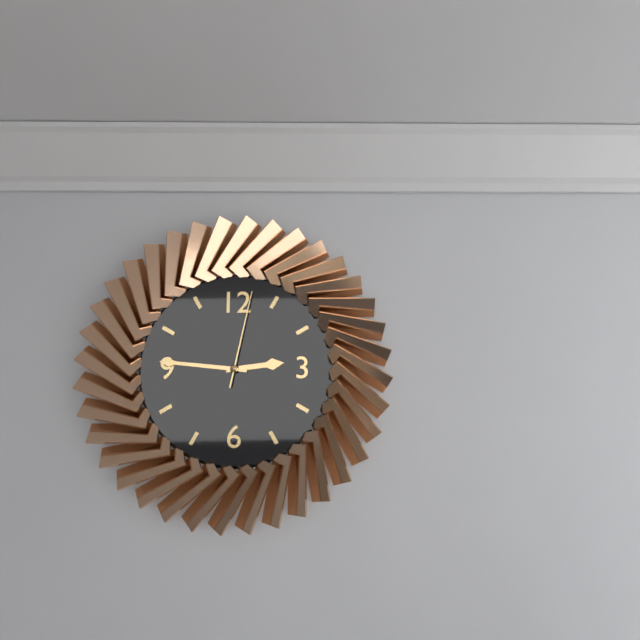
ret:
2:46:02
